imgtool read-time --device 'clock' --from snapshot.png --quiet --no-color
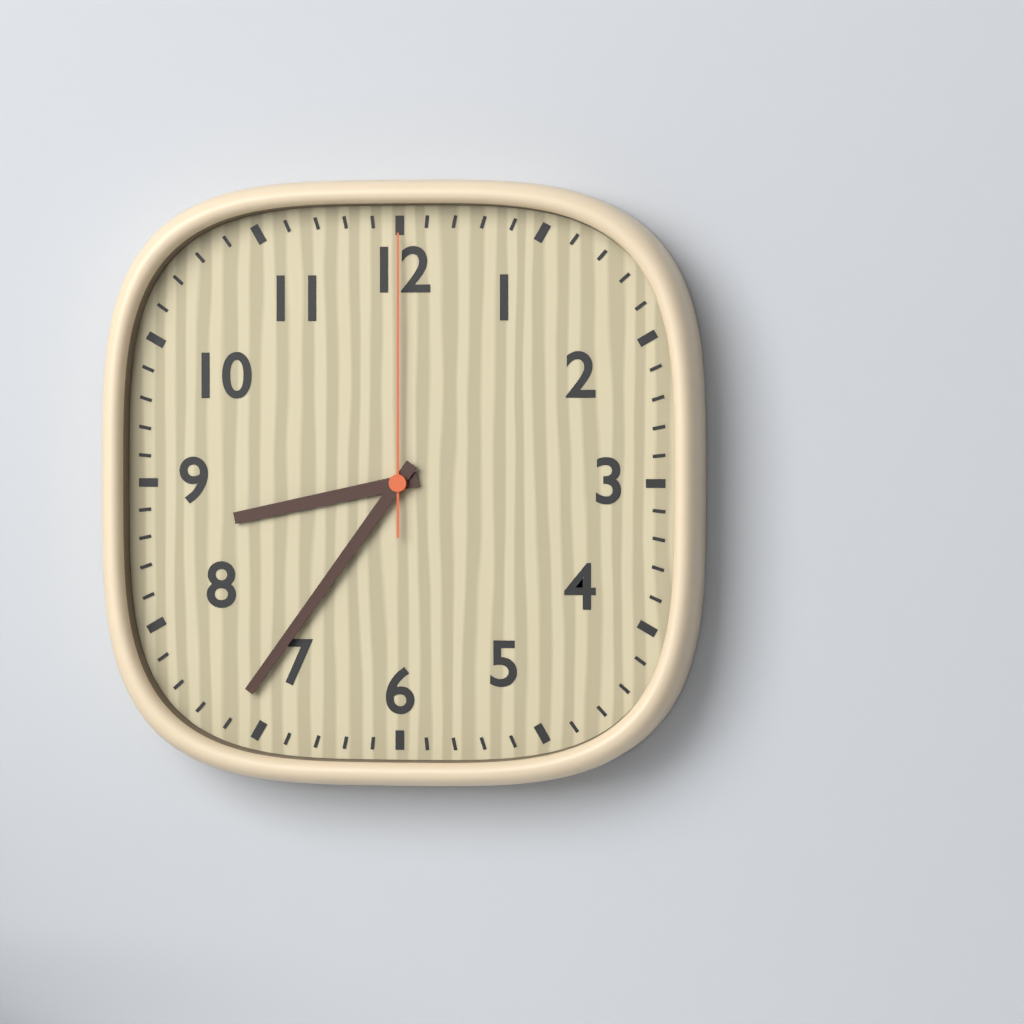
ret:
8:36:00
